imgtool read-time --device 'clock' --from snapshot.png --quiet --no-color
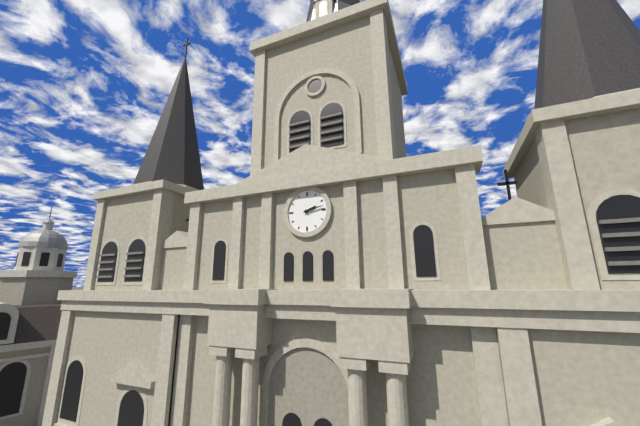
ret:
2:13
